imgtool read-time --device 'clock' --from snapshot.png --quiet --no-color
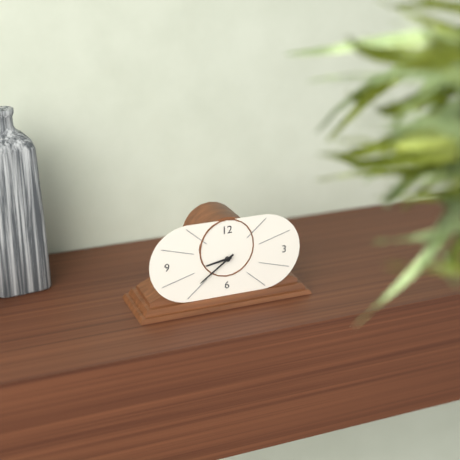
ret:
8:39
